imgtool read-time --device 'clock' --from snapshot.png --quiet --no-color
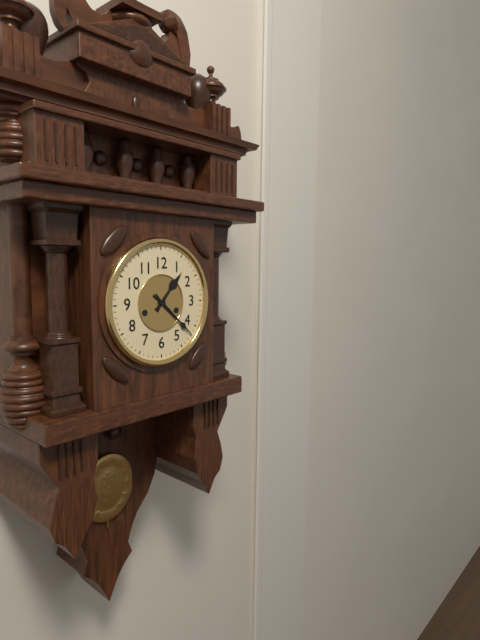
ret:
1:22
